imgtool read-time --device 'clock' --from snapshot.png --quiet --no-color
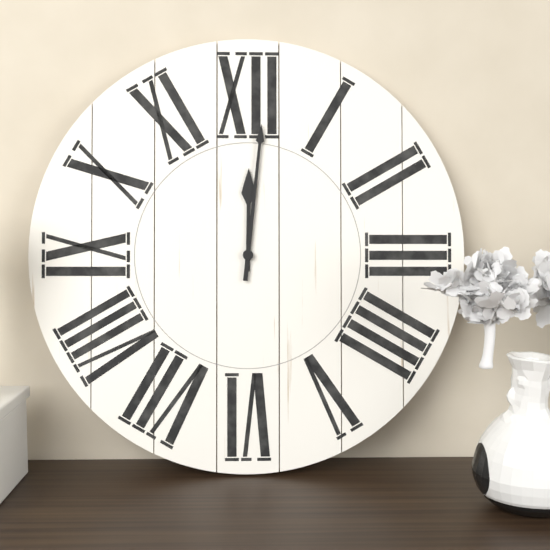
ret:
12:01
